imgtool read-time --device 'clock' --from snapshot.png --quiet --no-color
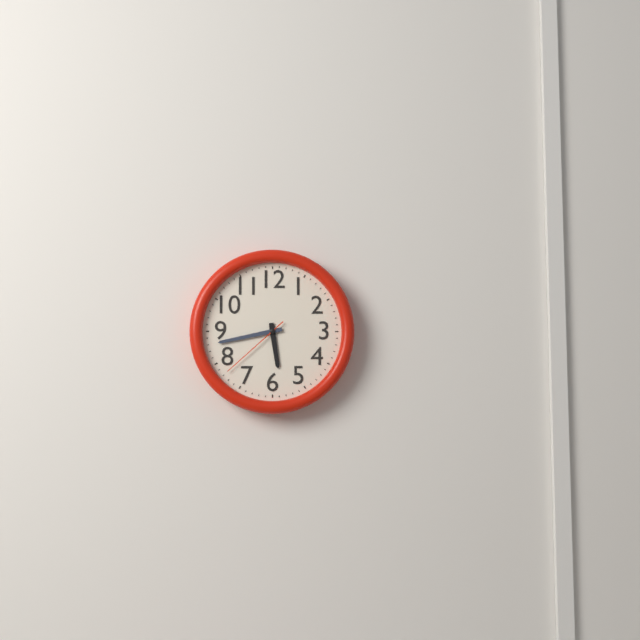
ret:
5:43:38
